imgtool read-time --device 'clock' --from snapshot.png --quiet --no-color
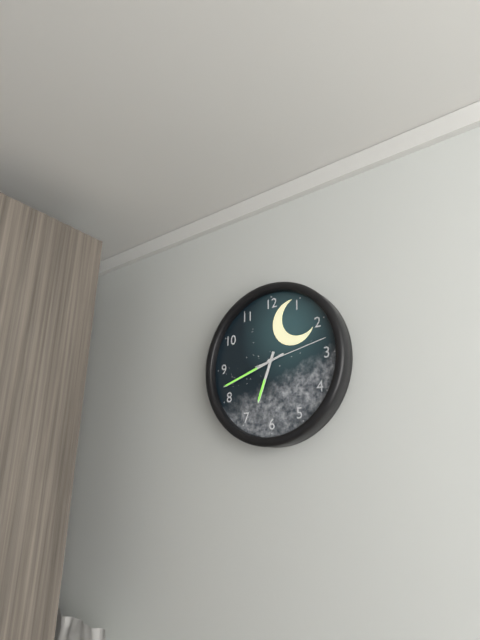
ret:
6:42:13
